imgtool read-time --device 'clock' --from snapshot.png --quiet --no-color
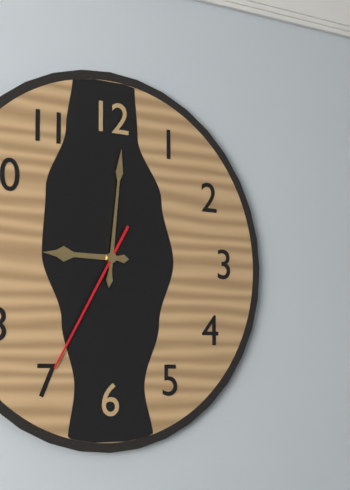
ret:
9:01:35
